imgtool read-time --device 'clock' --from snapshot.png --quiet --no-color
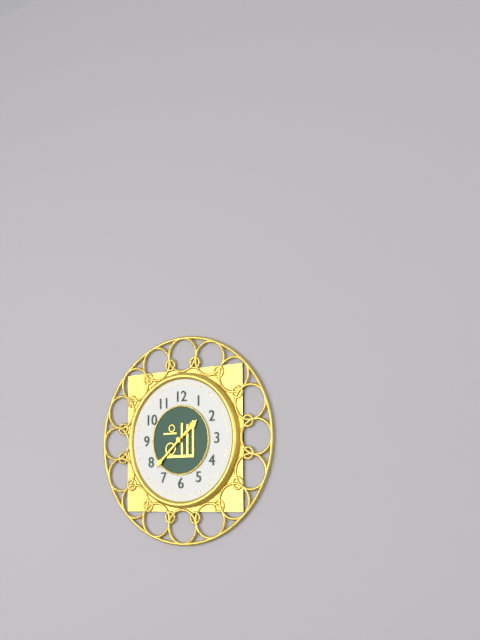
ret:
1:38
